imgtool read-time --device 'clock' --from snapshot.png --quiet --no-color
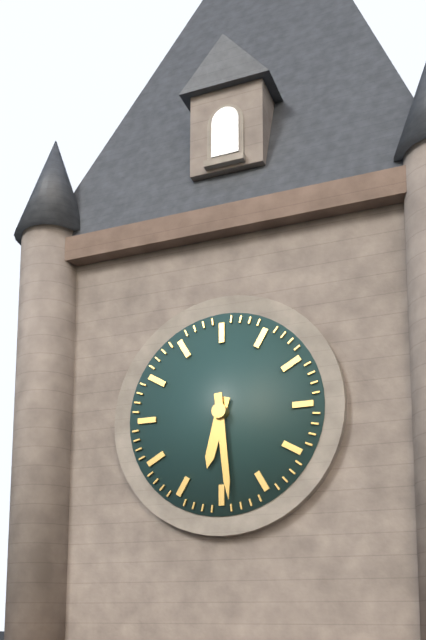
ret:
6:29
